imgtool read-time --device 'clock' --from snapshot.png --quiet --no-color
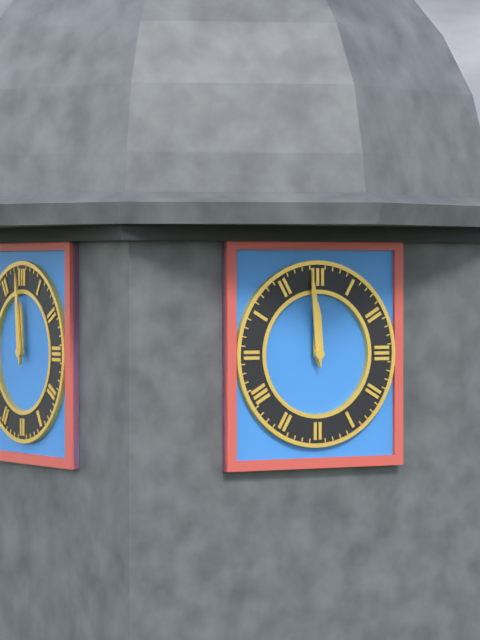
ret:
11:59
